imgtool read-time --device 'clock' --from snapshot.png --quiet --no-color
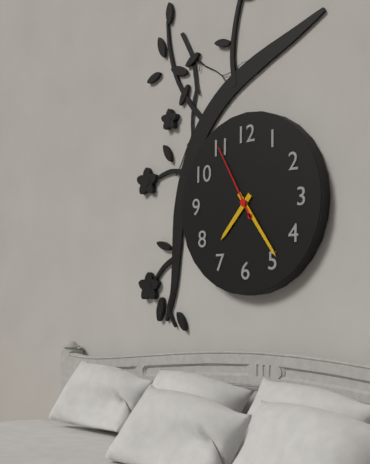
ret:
7:24:55
